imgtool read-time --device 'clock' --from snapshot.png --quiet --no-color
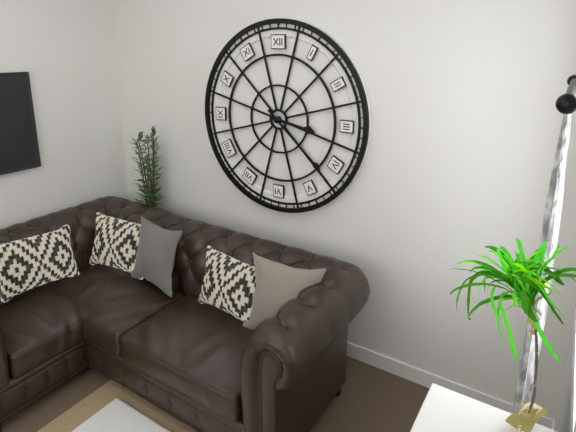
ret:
3:22
